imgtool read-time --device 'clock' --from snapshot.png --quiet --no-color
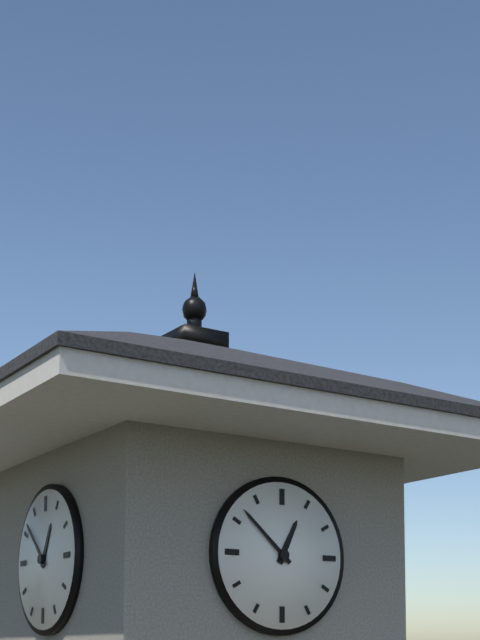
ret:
12:52
